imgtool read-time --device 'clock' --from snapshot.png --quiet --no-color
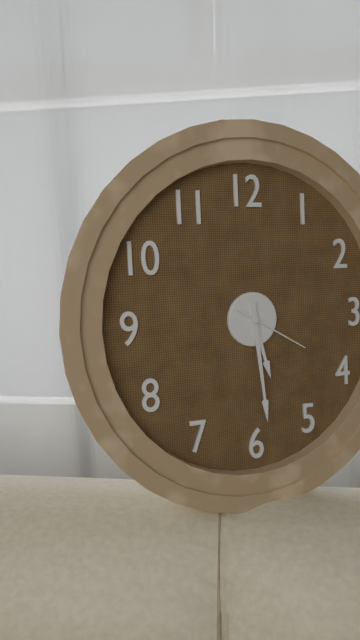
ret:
5:29:20
